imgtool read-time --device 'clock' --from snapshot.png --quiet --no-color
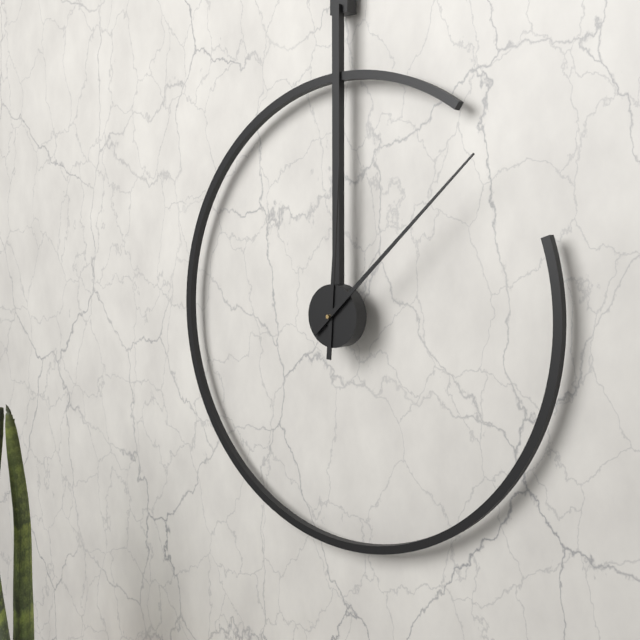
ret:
12:08
